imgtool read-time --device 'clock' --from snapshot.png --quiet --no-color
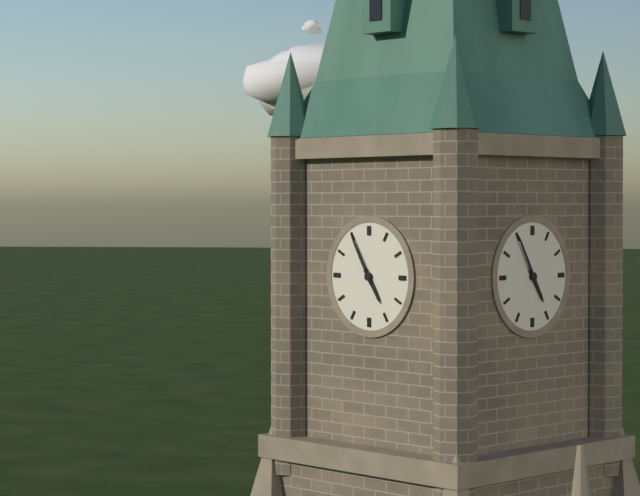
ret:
4:55
